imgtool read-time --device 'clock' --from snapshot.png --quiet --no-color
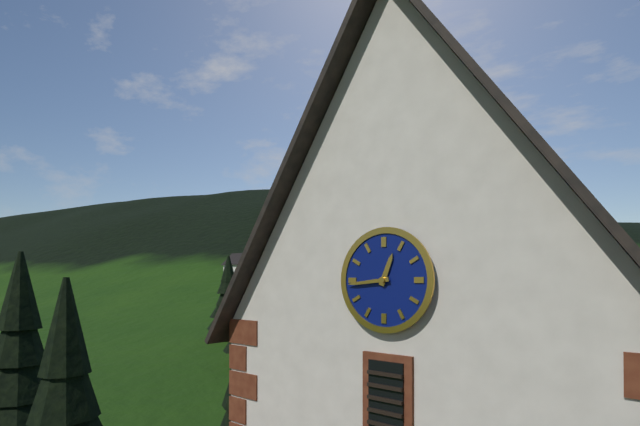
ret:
12:44
